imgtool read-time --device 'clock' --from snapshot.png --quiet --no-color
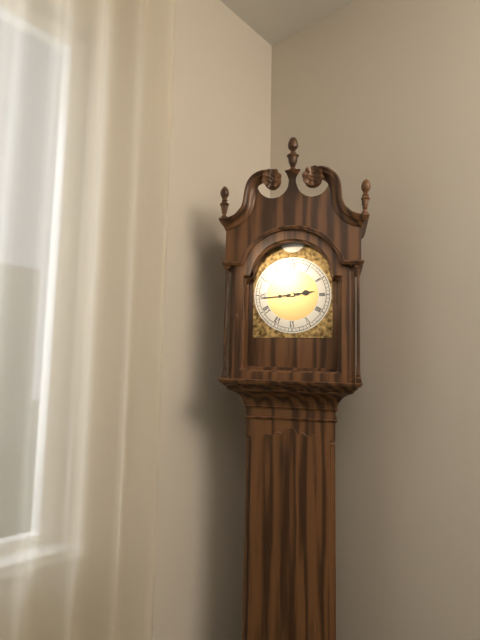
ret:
2:44
